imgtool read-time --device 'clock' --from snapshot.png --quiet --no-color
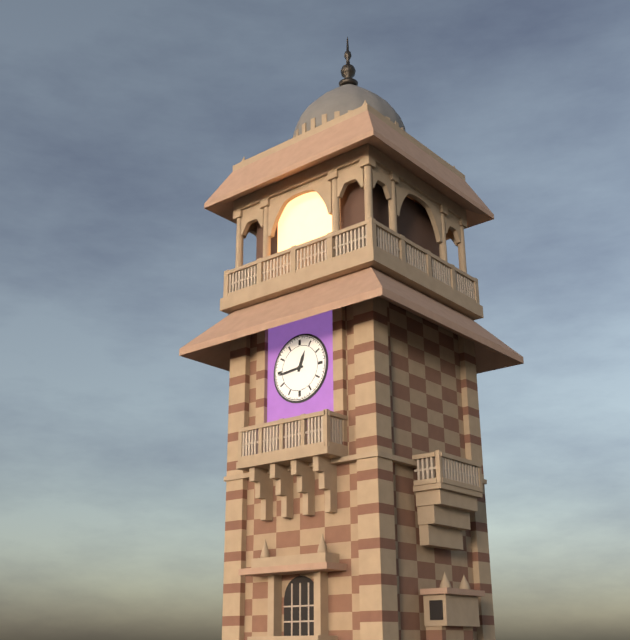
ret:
12:44
